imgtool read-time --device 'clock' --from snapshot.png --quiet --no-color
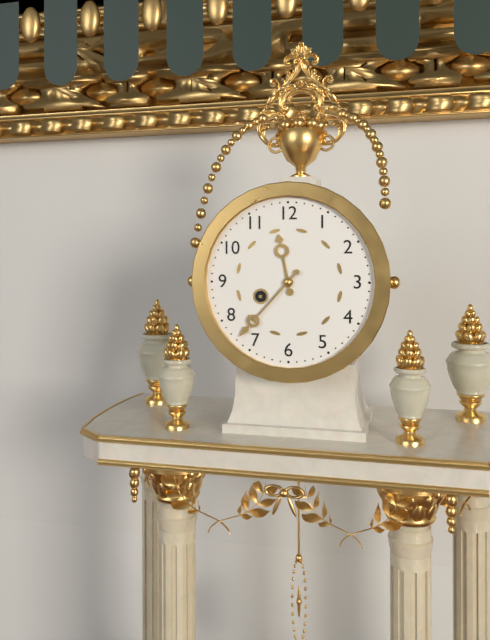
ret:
11:37
